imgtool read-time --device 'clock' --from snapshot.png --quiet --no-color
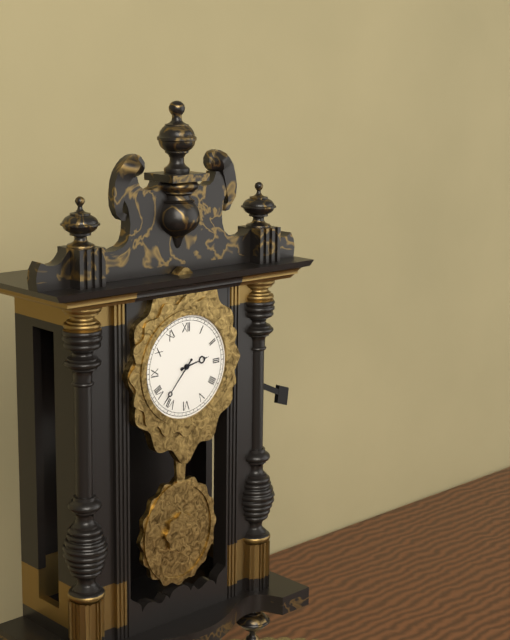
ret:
2:37
